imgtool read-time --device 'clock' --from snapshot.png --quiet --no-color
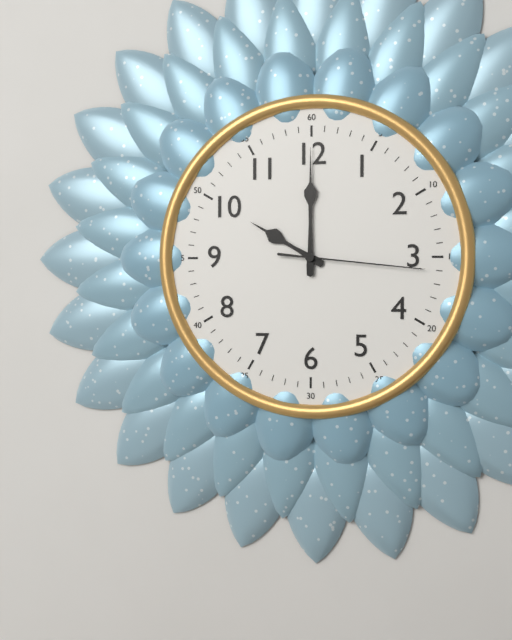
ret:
10:00:16
